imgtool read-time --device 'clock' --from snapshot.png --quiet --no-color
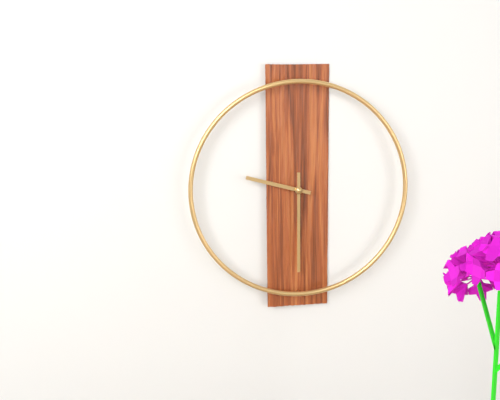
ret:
9:30
